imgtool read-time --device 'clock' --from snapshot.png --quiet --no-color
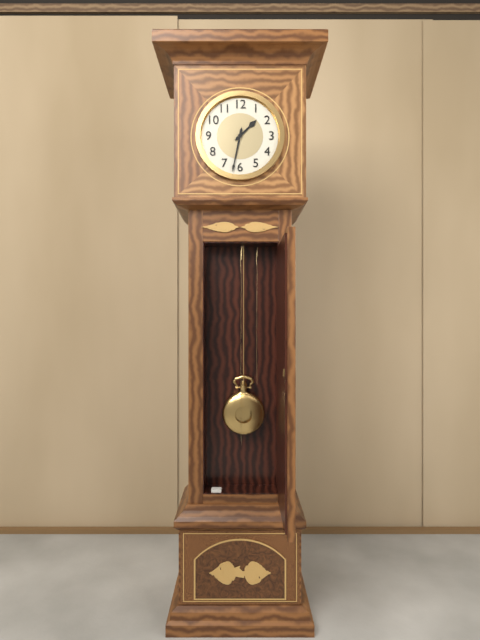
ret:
1:32
